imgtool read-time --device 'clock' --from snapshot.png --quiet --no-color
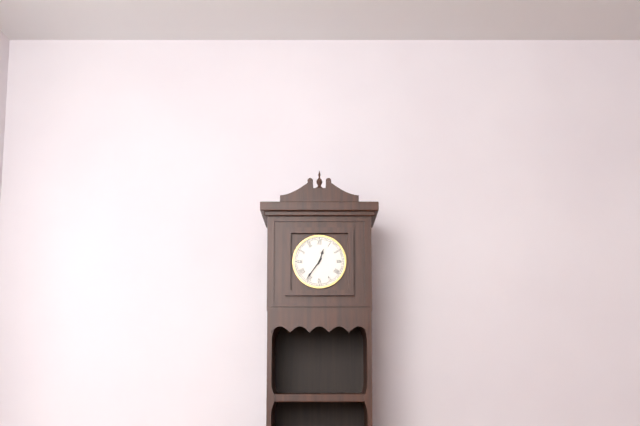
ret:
12:36
